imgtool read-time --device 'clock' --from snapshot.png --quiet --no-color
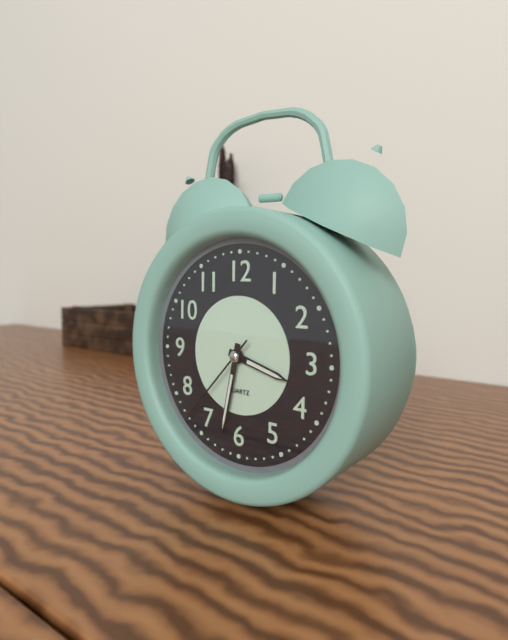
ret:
3:32:37
